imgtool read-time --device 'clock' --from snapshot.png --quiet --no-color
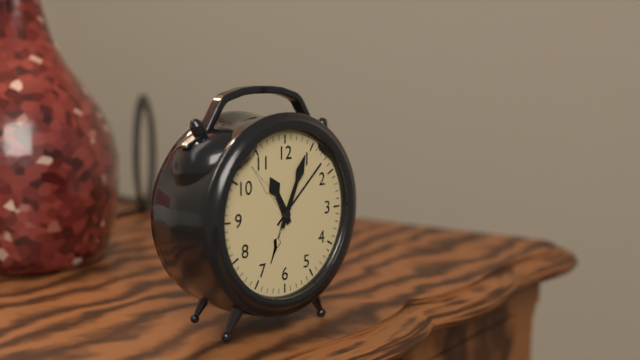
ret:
11:04
